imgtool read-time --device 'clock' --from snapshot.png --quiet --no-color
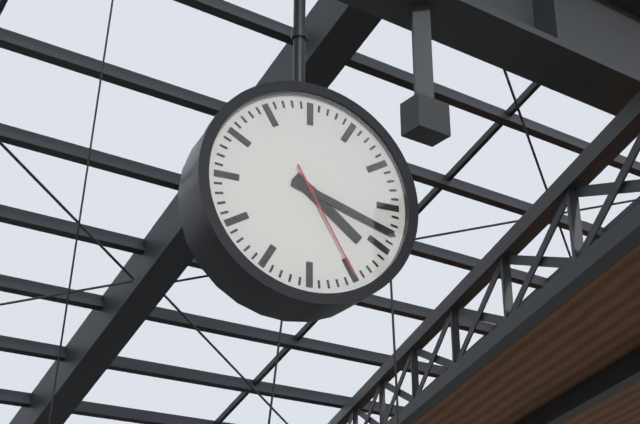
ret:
4:18:25
